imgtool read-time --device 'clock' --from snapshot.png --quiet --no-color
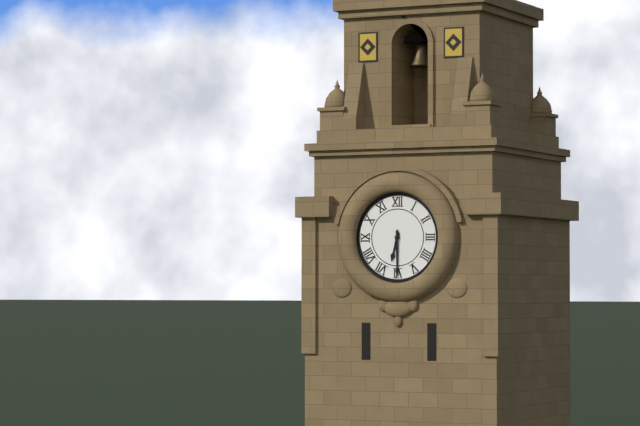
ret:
6:30
